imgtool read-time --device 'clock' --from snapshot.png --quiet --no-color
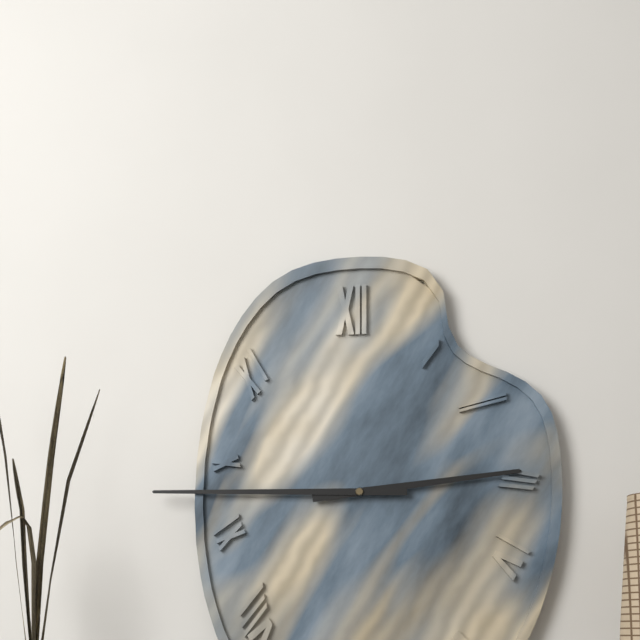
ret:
2:45
